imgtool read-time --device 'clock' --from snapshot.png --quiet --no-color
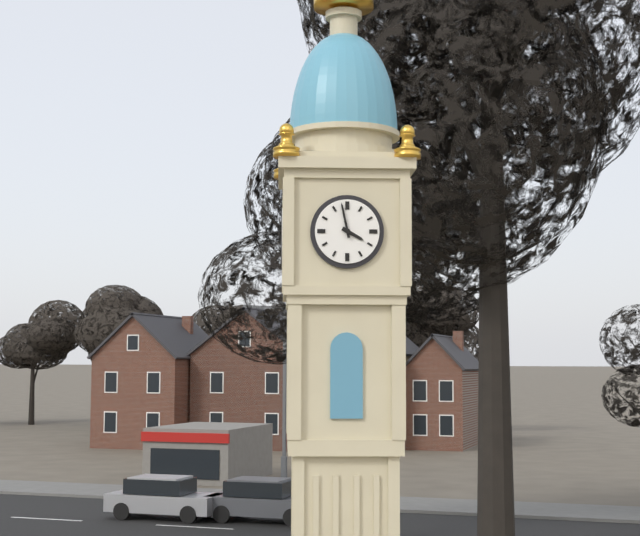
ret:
3:58
